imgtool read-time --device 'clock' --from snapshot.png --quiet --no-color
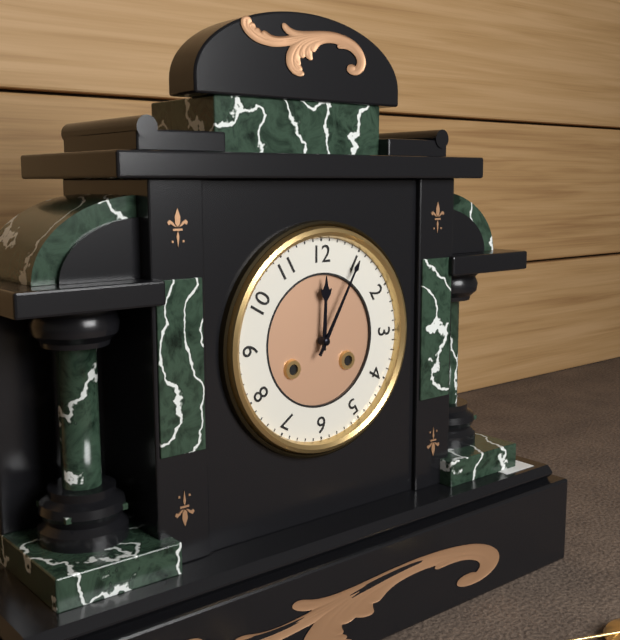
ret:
12:05
